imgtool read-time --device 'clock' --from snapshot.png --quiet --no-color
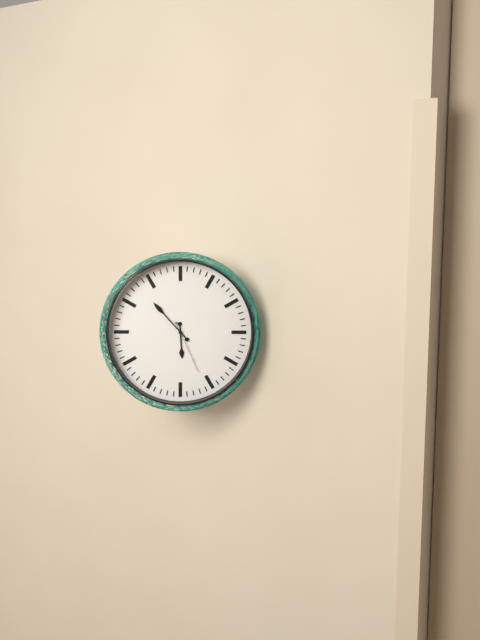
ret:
5:53:26
